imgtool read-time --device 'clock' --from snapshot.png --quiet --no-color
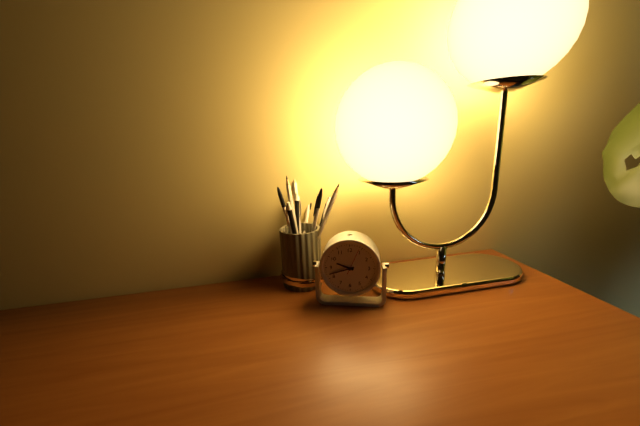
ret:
9:42
